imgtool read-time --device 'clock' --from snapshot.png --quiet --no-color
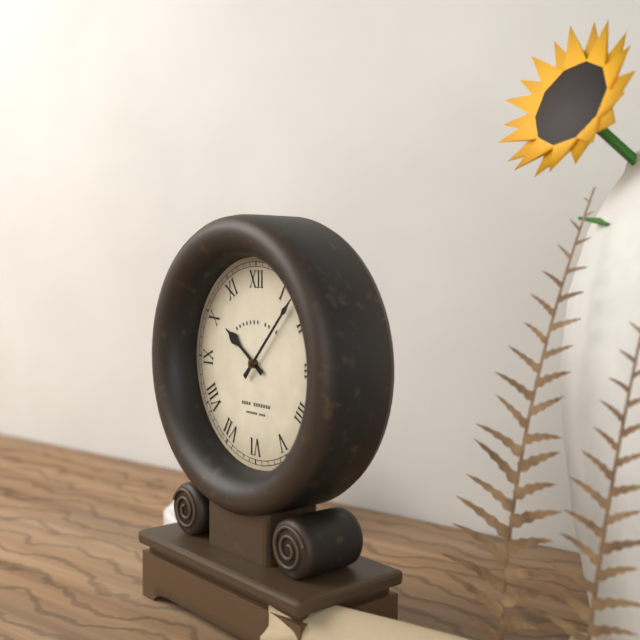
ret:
10:07
